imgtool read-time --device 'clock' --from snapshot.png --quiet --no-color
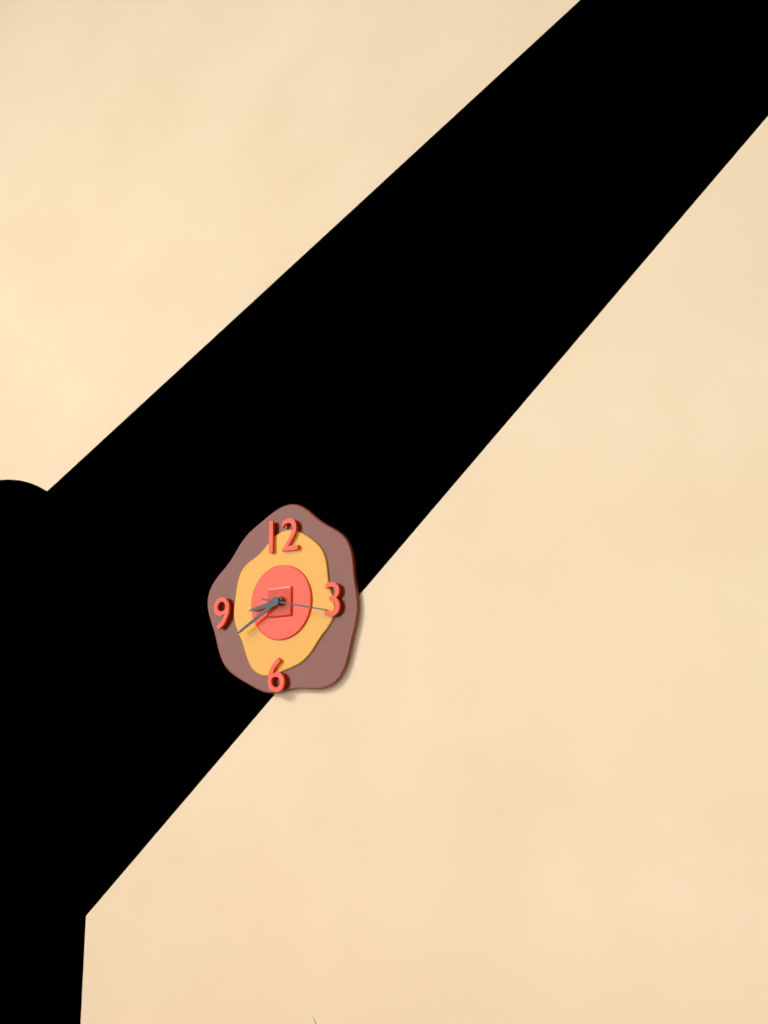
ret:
8:40:17
